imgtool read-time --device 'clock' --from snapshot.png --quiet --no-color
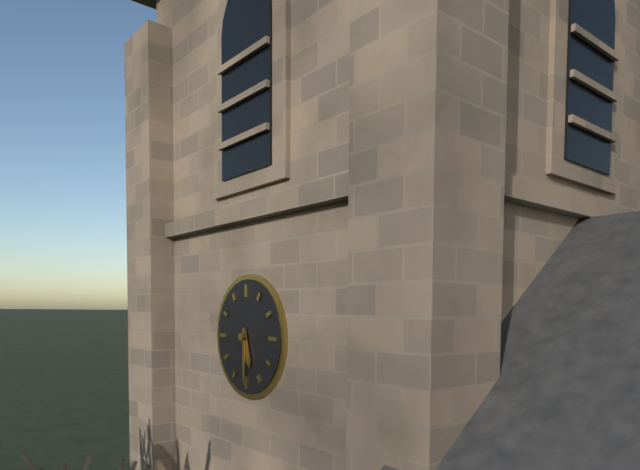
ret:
5:30
